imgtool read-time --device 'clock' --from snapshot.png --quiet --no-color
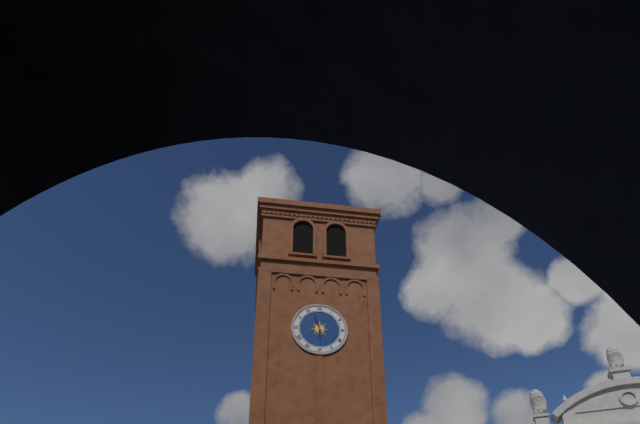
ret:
5:57
